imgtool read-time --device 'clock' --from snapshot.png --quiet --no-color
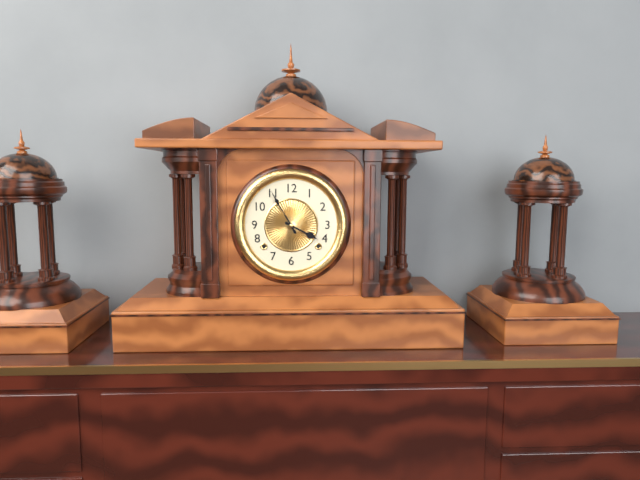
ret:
3:55
